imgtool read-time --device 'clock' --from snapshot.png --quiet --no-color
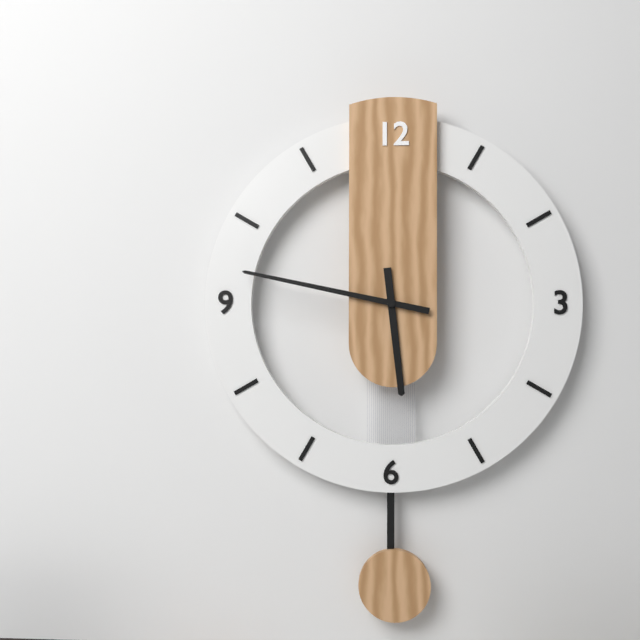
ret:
5:47
